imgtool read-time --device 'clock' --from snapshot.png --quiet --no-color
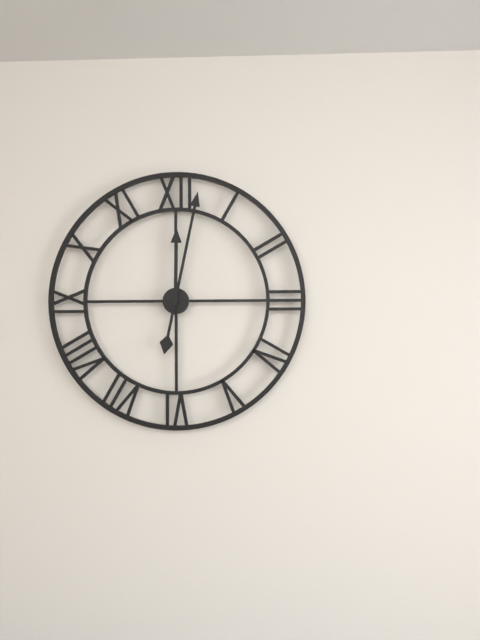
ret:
12:02
